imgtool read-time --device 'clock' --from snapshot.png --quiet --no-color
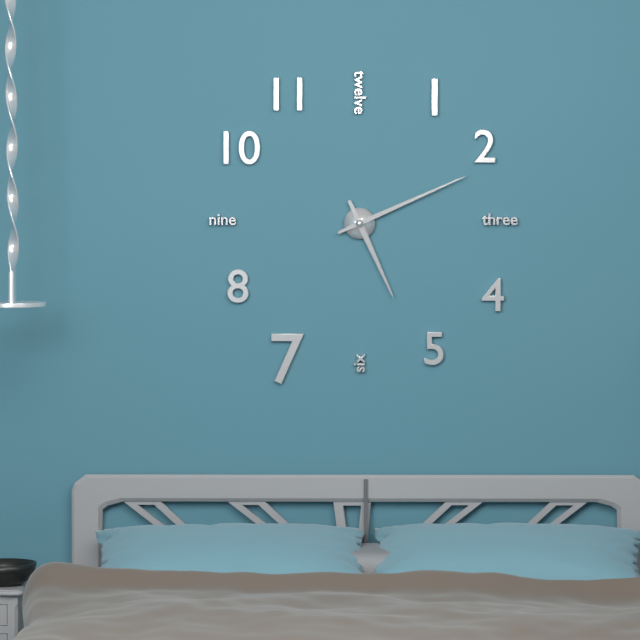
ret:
5:11
